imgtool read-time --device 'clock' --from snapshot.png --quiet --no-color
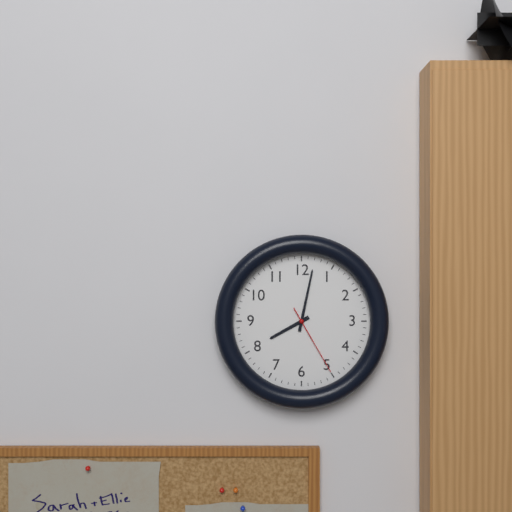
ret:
8:02:25
